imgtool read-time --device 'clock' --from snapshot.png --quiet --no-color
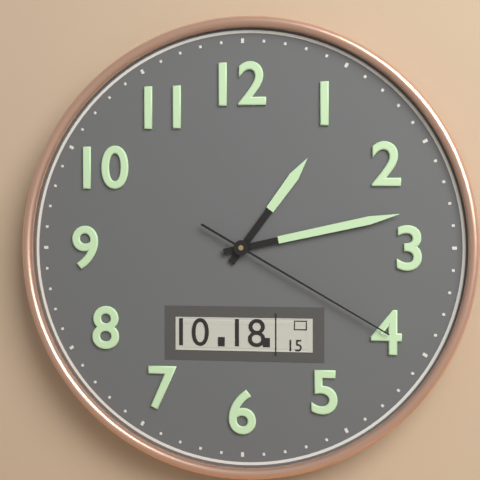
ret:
1:13:20
